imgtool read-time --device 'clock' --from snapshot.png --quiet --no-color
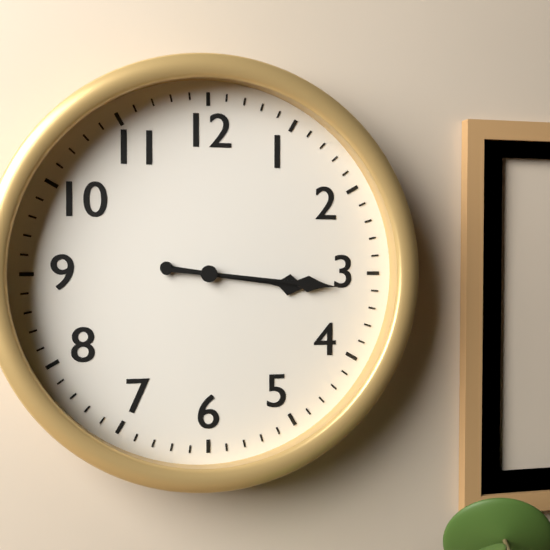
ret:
3:16
